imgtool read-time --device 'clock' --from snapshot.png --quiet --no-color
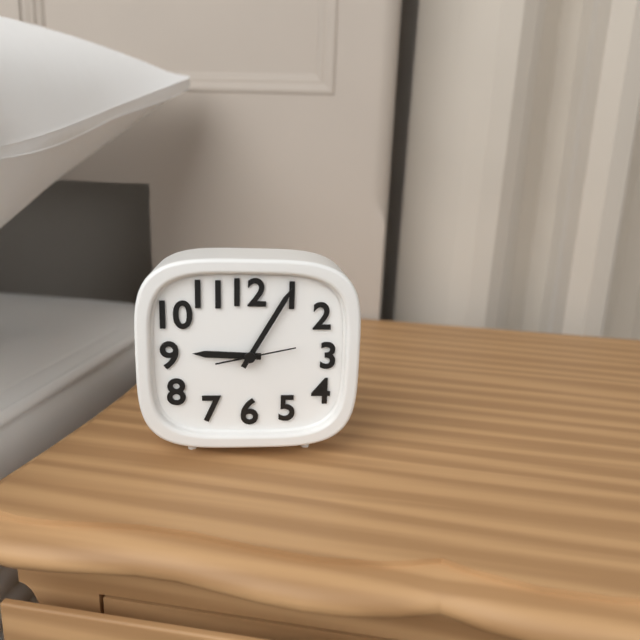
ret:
9:05:13
